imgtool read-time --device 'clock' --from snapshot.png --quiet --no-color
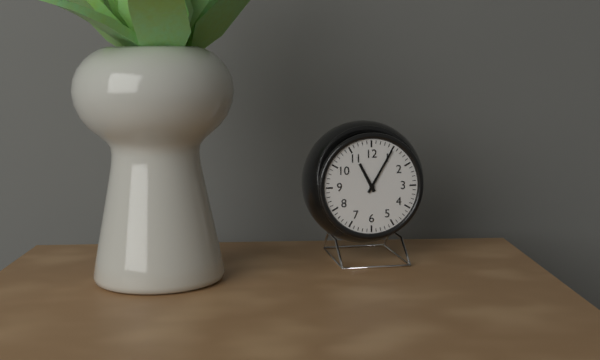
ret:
11:05
